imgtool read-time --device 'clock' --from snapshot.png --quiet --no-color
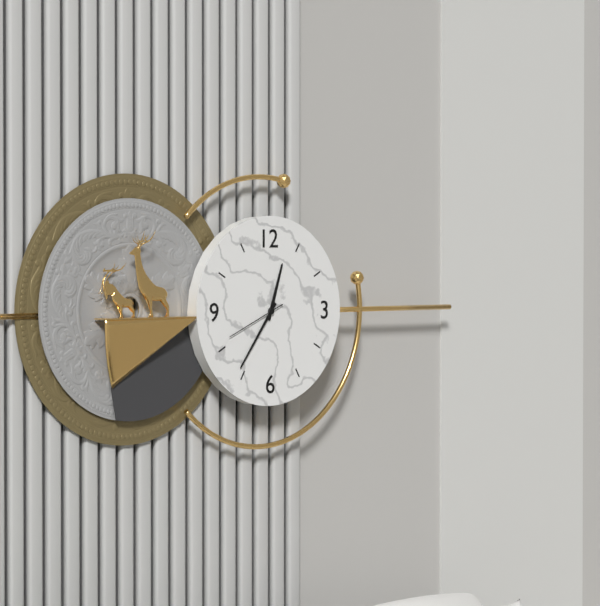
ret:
12:36:41
